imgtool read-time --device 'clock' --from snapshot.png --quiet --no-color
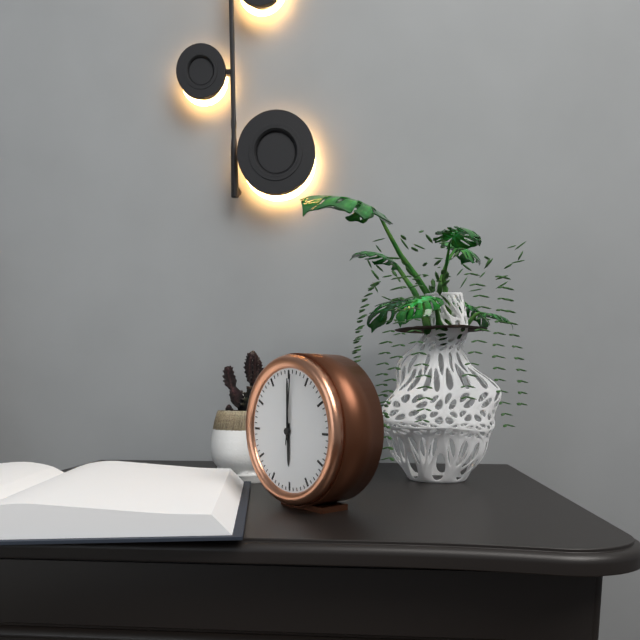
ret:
6:00:01
